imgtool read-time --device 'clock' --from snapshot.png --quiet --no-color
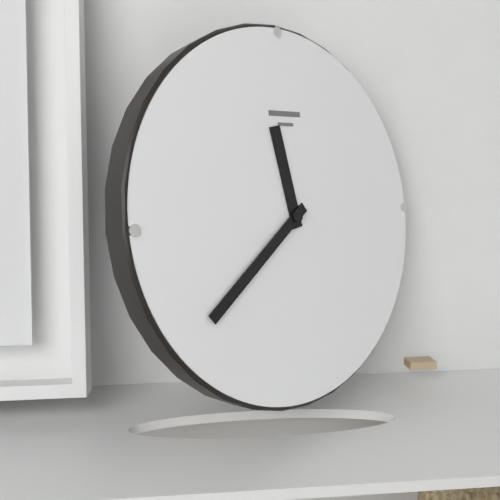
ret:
11:39
